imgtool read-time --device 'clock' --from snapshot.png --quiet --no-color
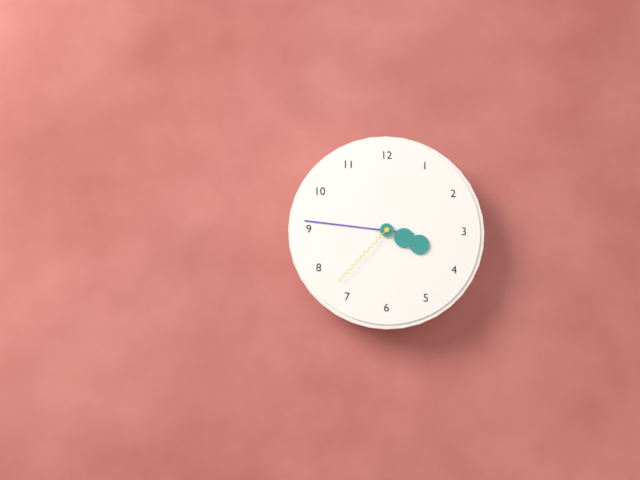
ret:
3:46:37
